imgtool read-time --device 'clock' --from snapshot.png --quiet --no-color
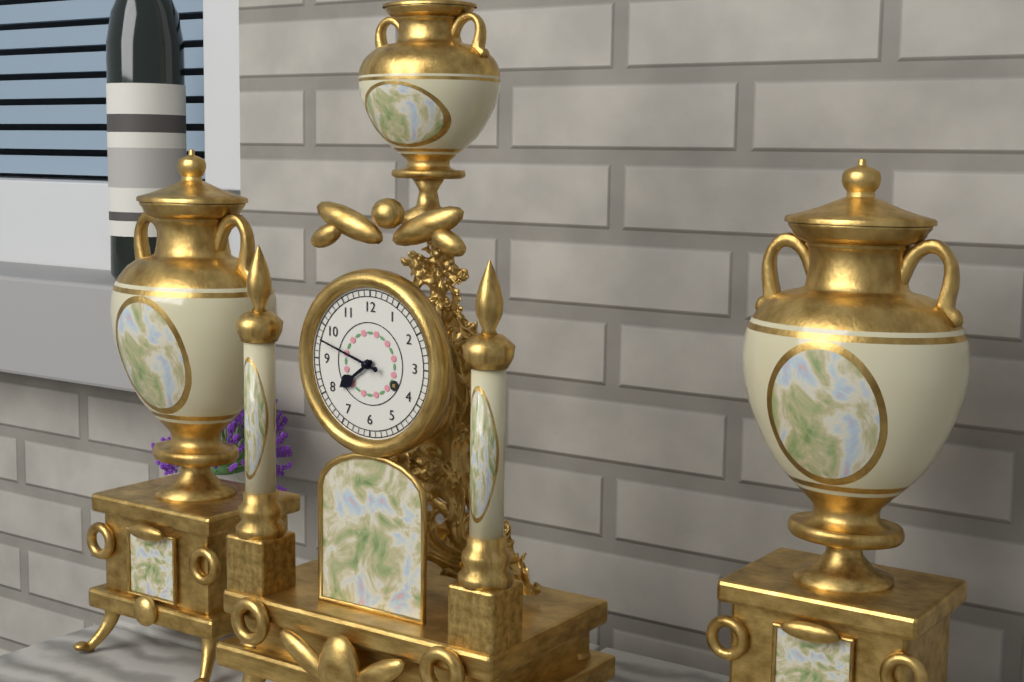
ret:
7:48
